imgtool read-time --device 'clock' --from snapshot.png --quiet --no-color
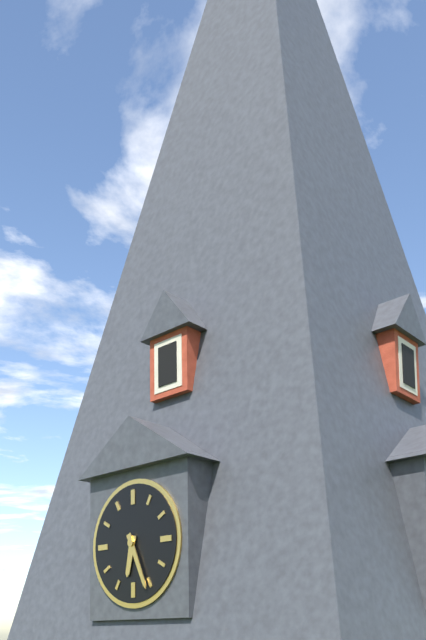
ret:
6:26
